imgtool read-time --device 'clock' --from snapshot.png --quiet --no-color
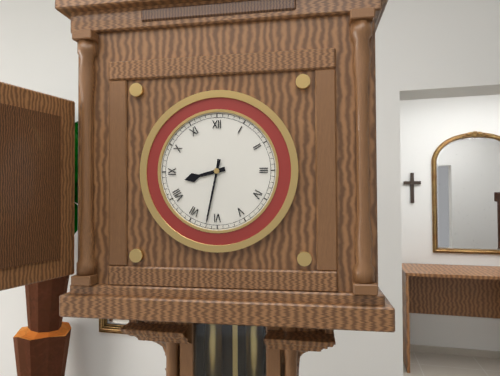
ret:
8:32
